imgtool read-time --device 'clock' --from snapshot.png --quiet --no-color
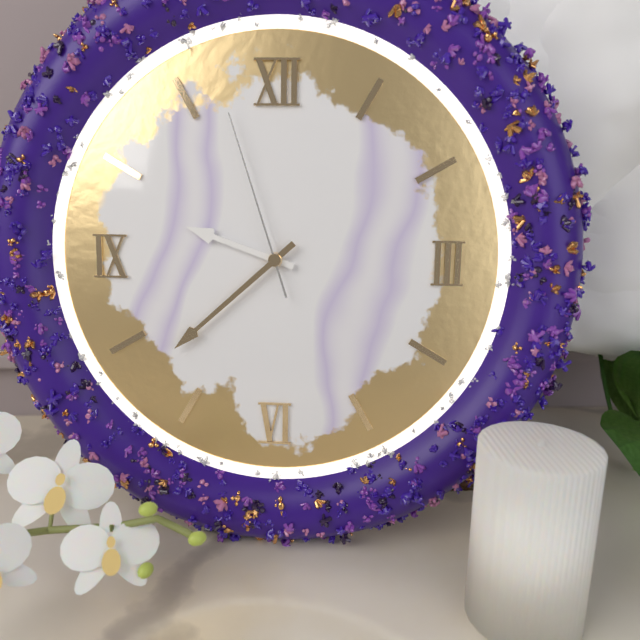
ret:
9:38:57
